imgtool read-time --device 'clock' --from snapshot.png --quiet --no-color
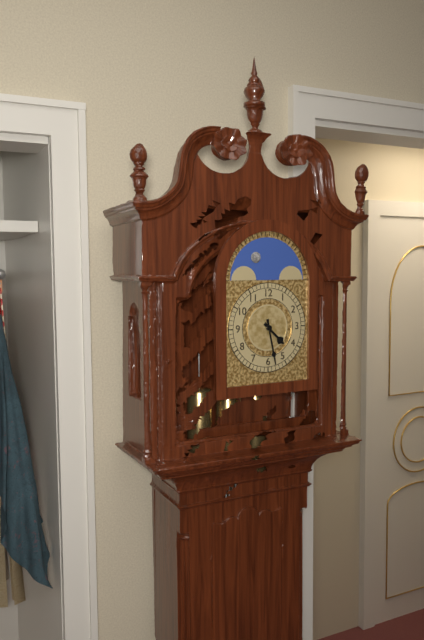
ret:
4:28
